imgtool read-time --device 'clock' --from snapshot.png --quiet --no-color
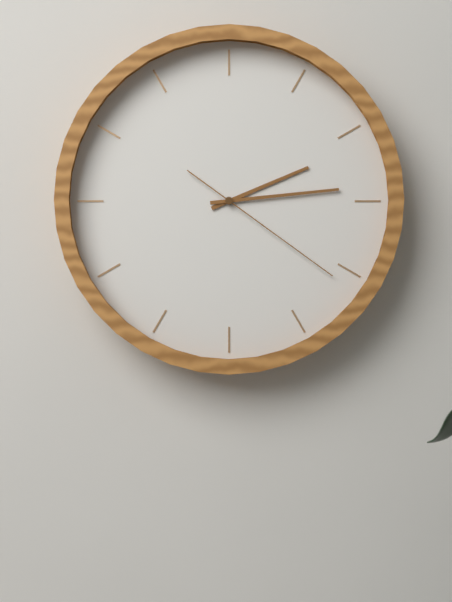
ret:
2:14:21
